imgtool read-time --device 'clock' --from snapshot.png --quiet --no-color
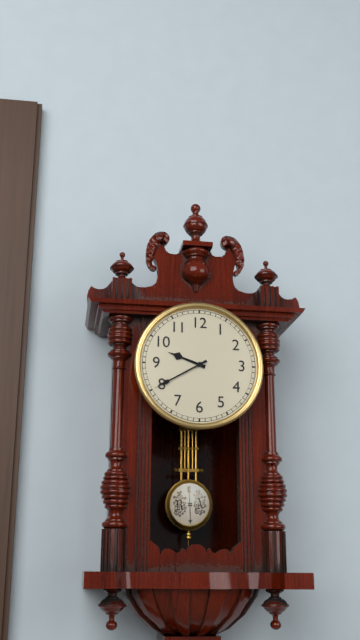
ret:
9:40
